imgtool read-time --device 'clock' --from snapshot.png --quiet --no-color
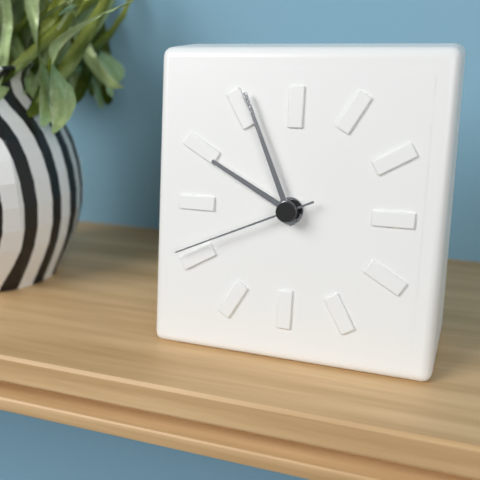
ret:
9:56:41
